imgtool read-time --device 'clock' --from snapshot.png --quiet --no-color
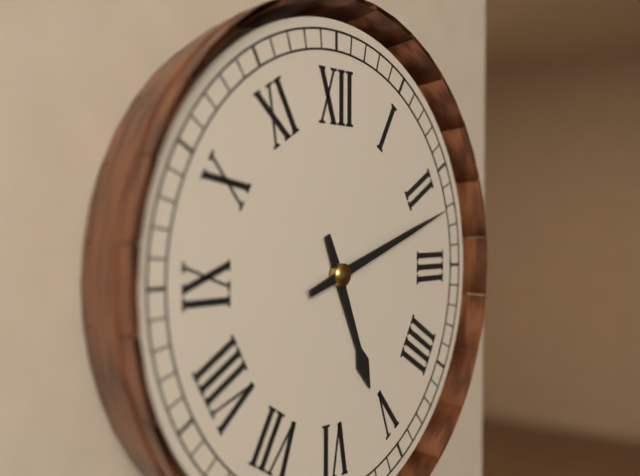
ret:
5:12
